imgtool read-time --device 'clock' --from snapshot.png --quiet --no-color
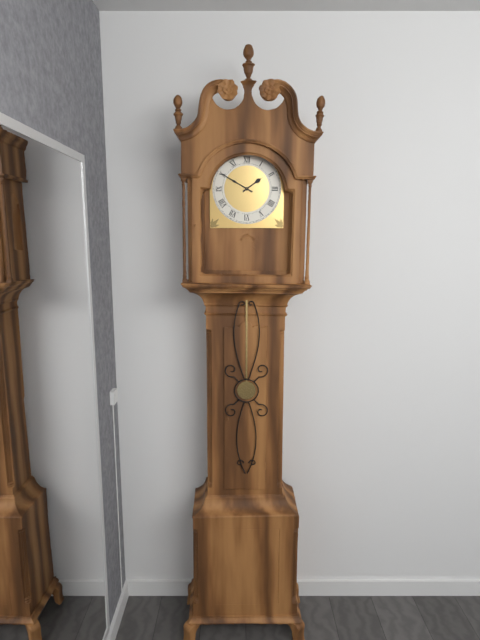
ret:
1:50
